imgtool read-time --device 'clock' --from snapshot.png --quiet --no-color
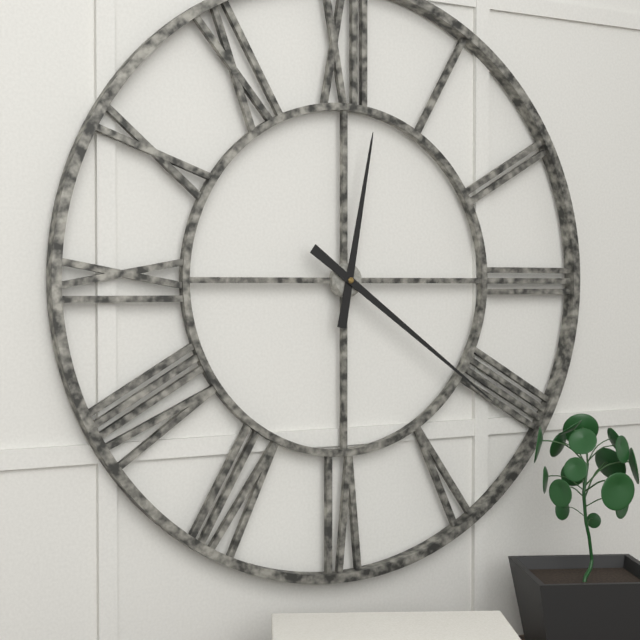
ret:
12:21
